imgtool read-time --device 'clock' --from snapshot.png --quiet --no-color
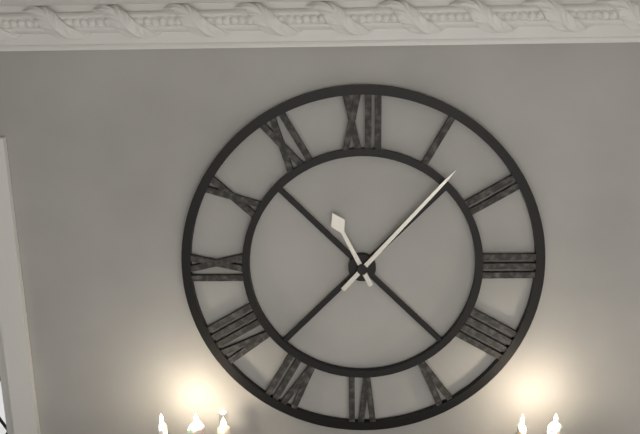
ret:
11:07
